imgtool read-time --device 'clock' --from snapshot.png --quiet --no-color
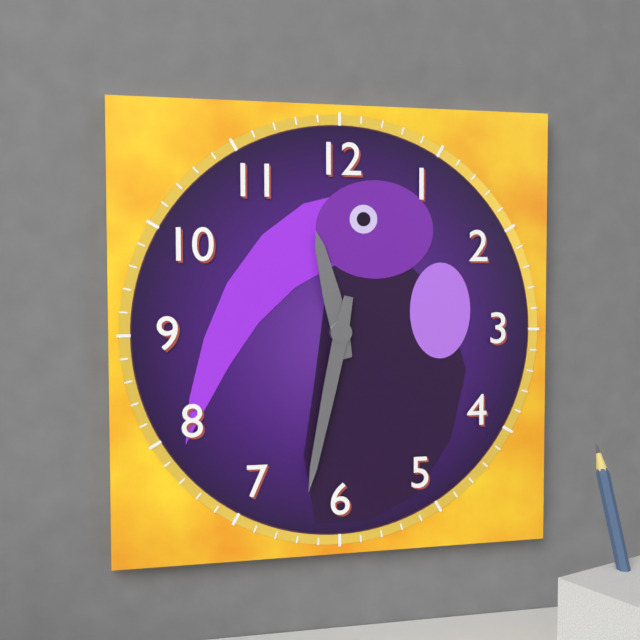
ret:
11:32
